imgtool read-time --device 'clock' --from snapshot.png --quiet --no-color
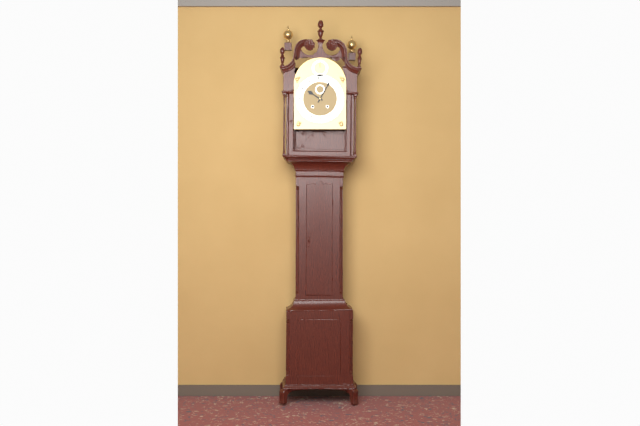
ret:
10:05
